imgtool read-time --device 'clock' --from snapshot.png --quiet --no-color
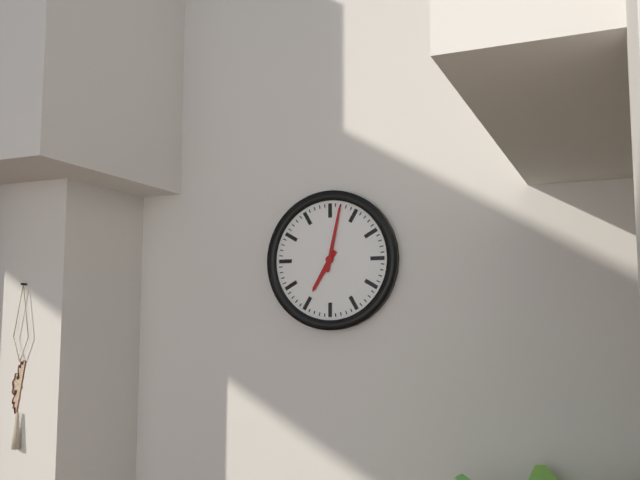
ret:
7:02
